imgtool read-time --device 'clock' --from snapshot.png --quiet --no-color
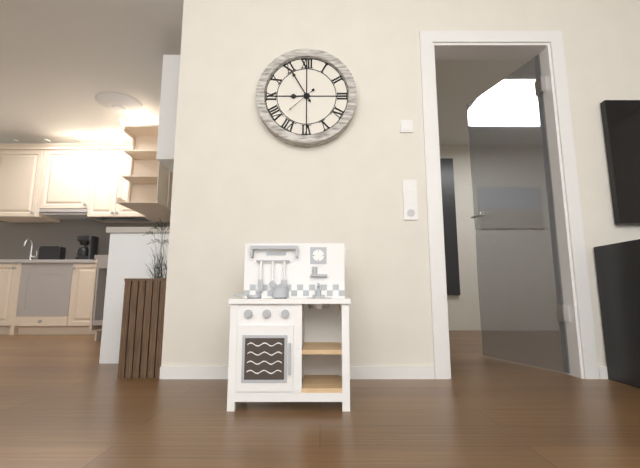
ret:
8:55
